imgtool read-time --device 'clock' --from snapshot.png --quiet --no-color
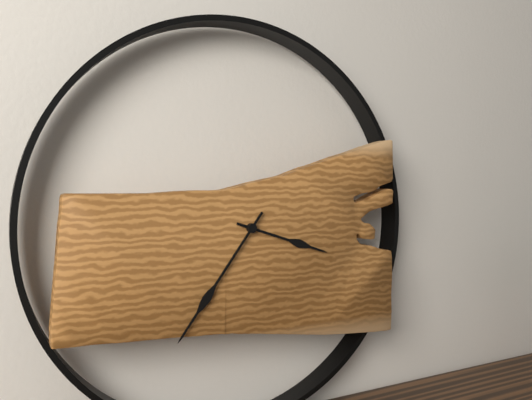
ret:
3:36
